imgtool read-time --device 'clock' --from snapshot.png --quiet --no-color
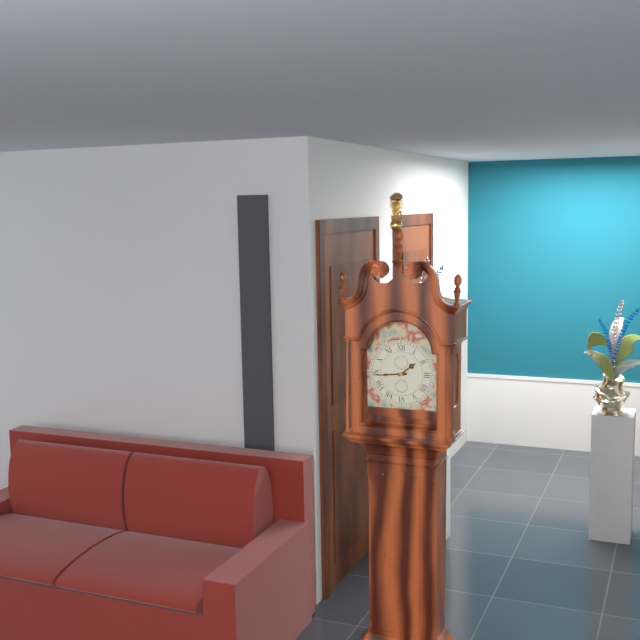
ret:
1:44
